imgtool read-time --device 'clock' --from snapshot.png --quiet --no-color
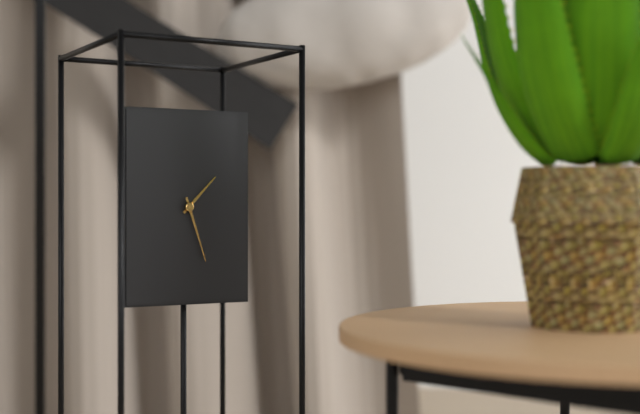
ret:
1:27
